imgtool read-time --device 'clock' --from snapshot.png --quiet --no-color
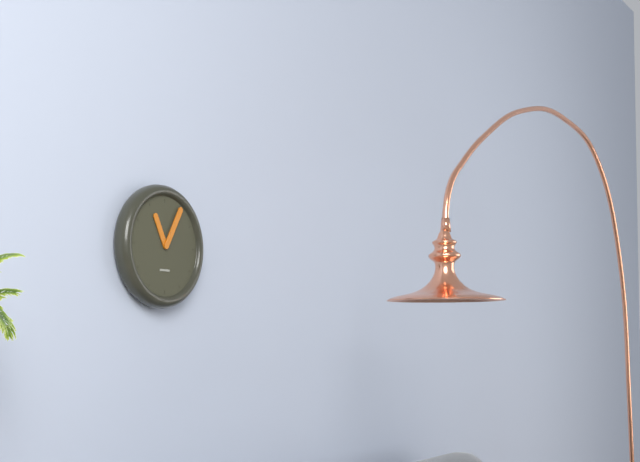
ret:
11:05
